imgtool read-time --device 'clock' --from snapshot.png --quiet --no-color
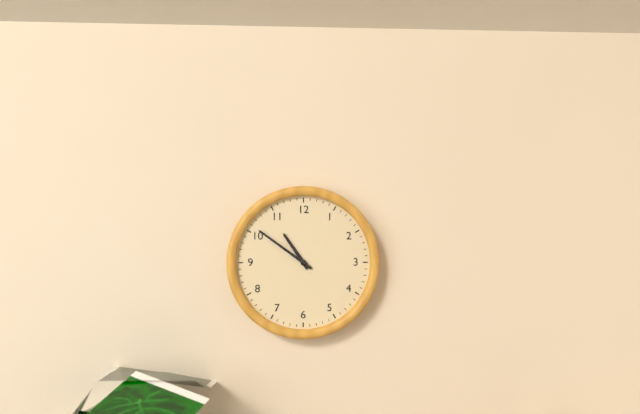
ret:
10:51
